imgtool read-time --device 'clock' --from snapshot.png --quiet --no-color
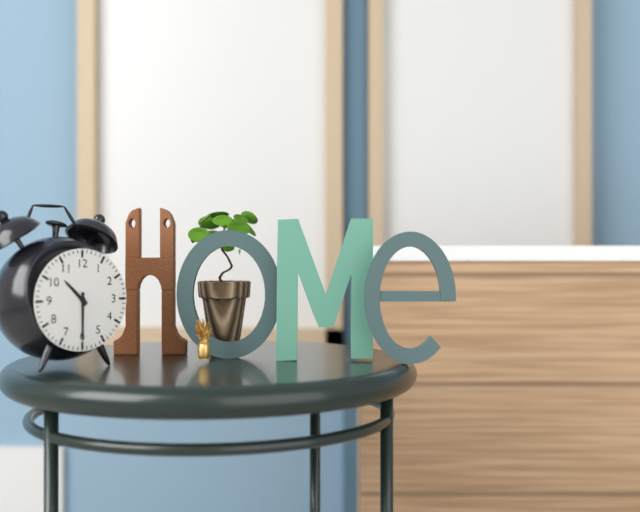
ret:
10:30
